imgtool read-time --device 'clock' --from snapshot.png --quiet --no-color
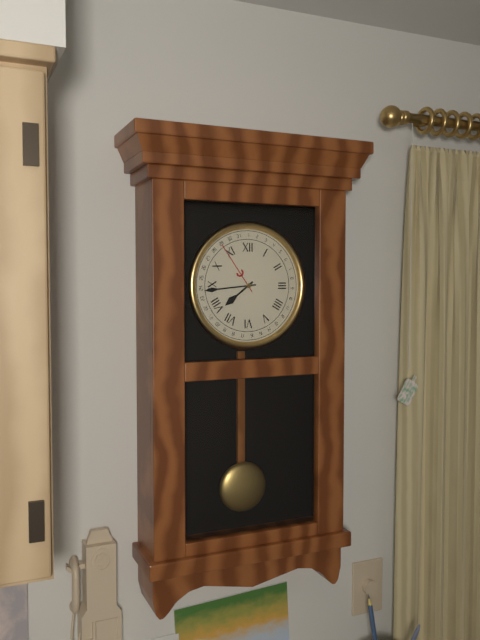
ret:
7:44
